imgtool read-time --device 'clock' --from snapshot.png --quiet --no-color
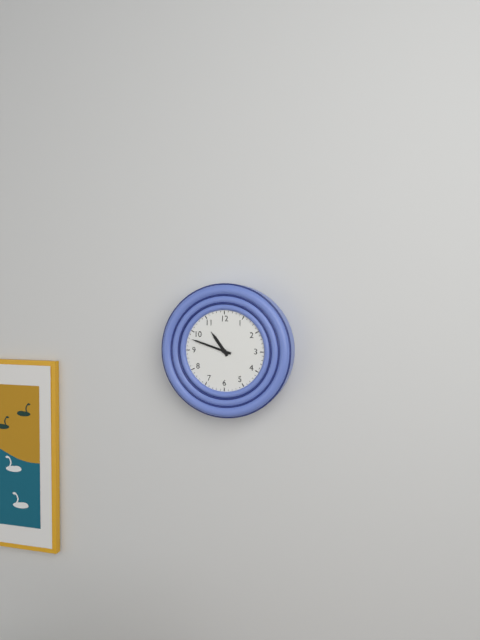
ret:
10:48
